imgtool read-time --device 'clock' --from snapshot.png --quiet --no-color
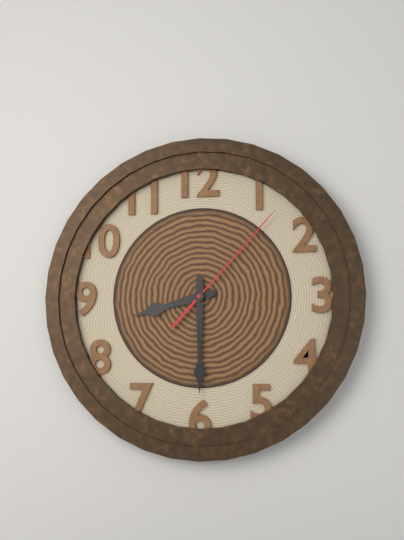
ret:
8:30:07
